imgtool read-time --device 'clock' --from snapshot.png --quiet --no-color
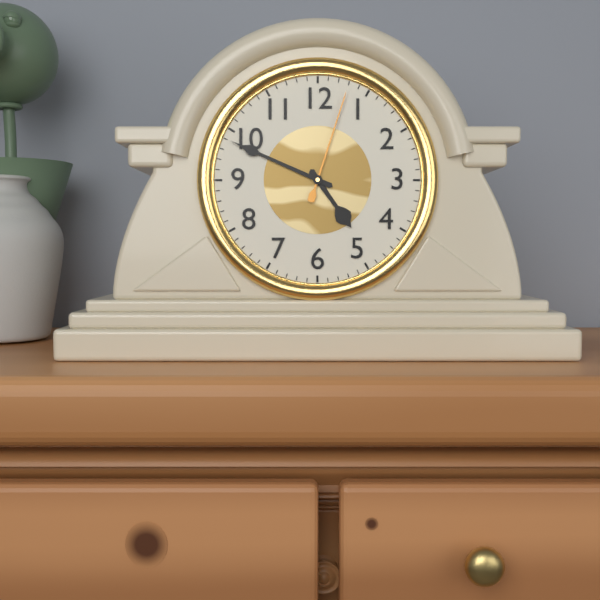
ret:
4:49:03
